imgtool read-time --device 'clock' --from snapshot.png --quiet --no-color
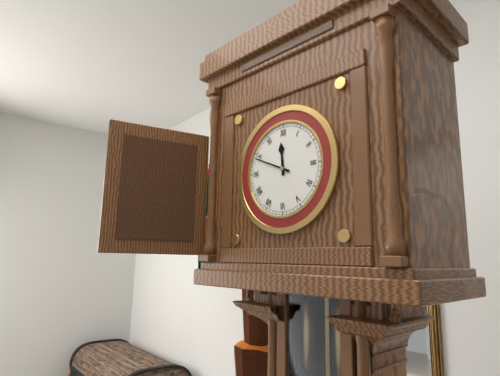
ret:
11:49
